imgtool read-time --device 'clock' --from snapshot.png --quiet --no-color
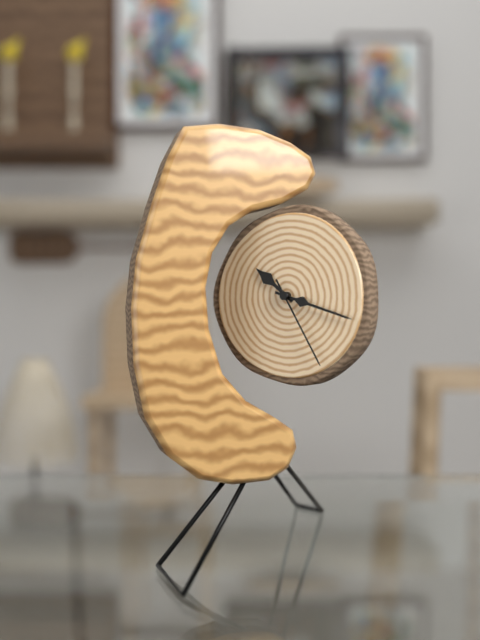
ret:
10:18:25
